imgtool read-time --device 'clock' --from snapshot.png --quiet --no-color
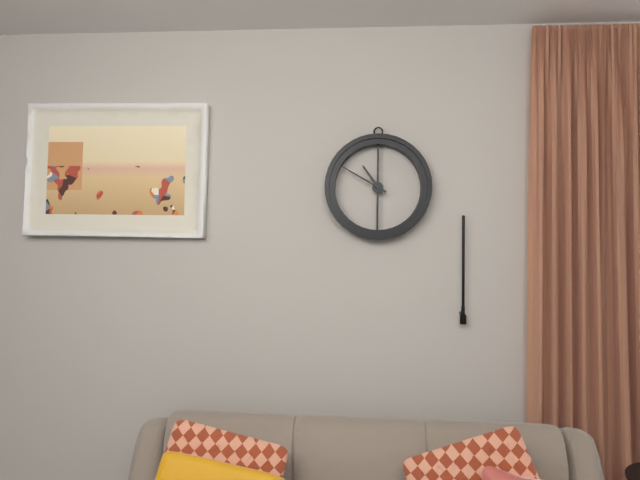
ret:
10:50
